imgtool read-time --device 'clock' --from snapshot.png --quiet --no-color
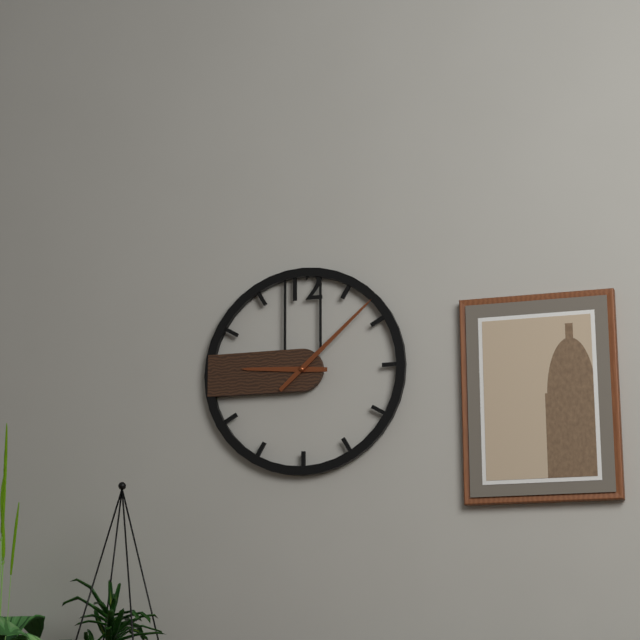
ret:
9:08
